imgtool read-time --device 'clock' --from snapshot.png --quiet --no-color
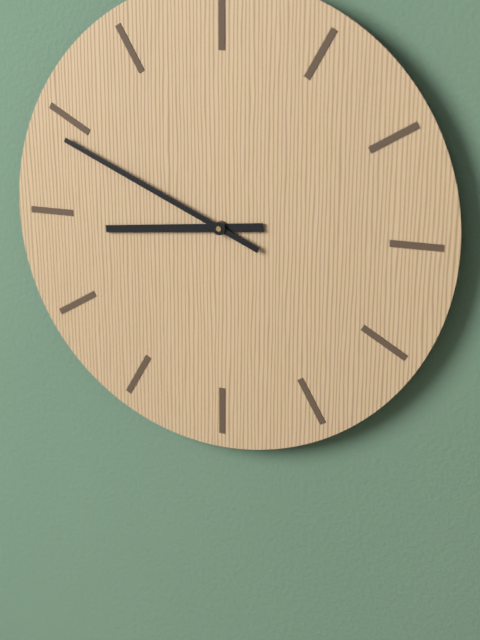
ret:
8:49
